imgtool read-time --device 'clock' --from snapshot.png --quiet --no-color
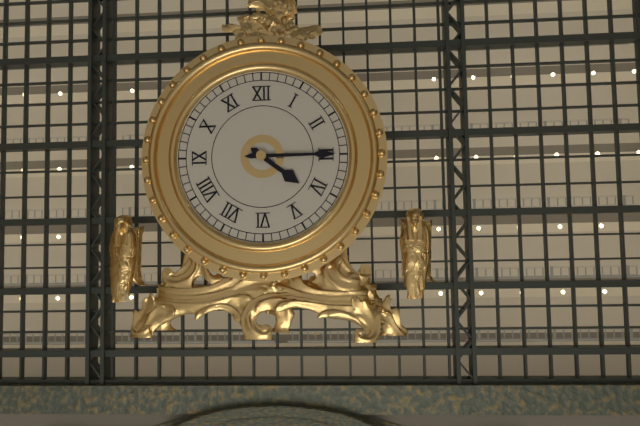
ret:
4:15
